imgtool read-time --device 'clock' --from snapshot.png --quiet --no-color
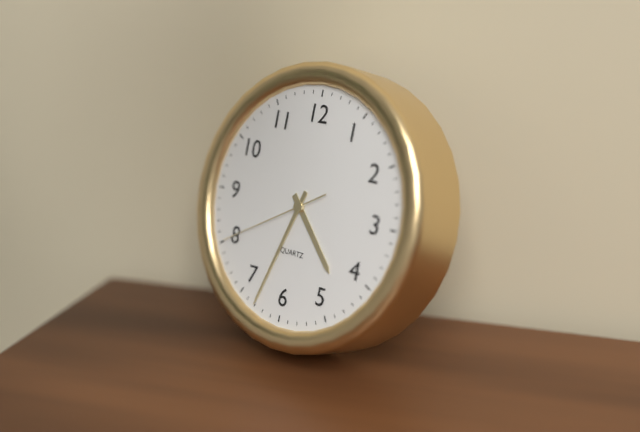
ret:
4:33:40
